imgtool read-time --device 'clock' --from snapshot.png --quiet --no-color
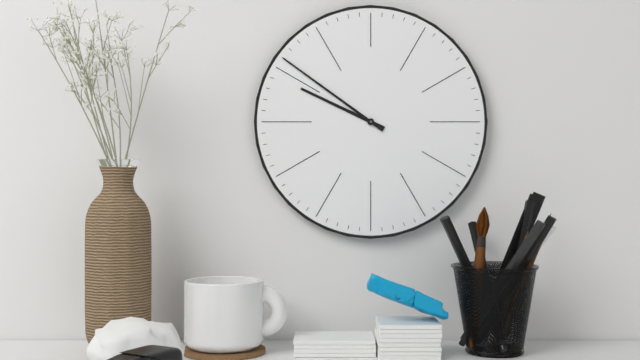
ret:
9:51
